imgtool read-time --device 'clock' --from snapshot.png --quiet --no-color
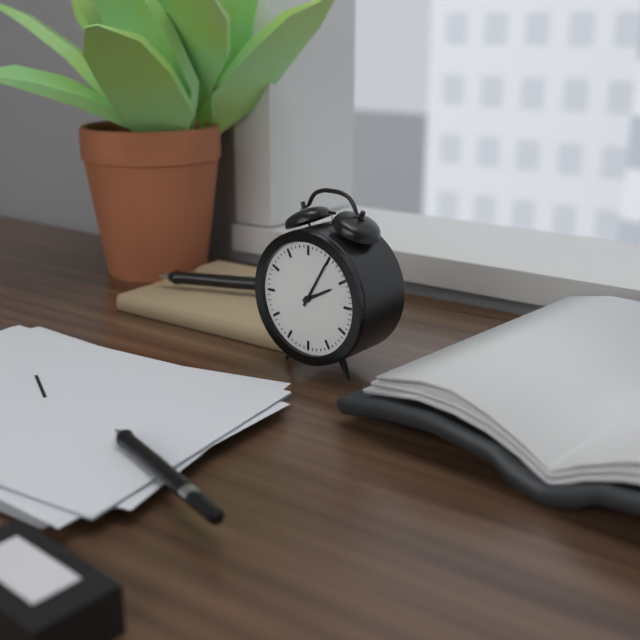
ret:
2:05
